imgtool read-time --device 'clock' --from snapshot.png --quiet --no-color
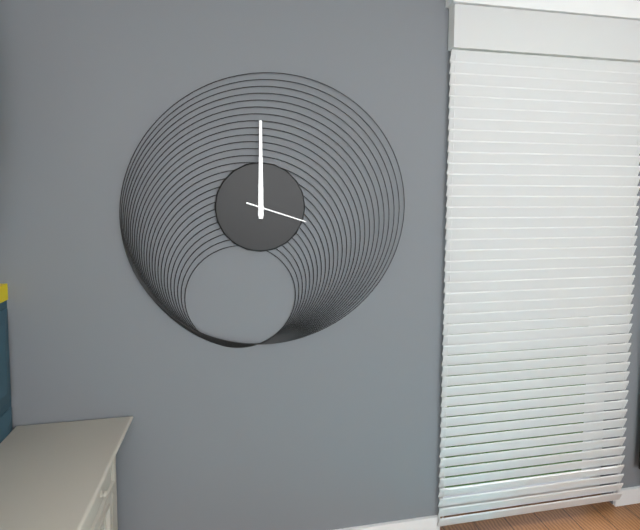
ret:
12:00:18
